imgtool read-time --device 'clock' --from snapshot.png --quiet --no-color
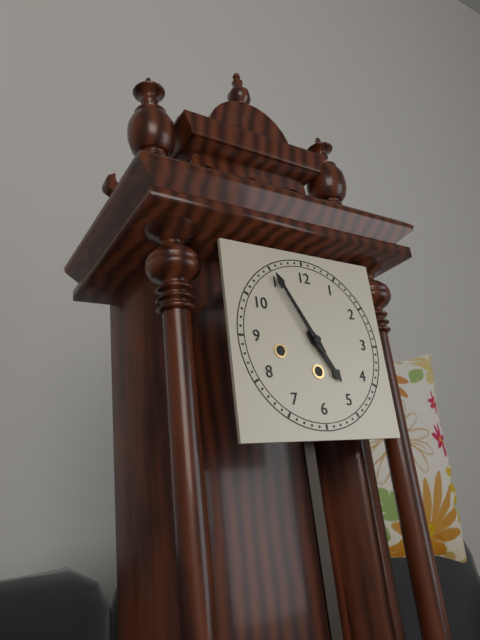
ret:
4:55
